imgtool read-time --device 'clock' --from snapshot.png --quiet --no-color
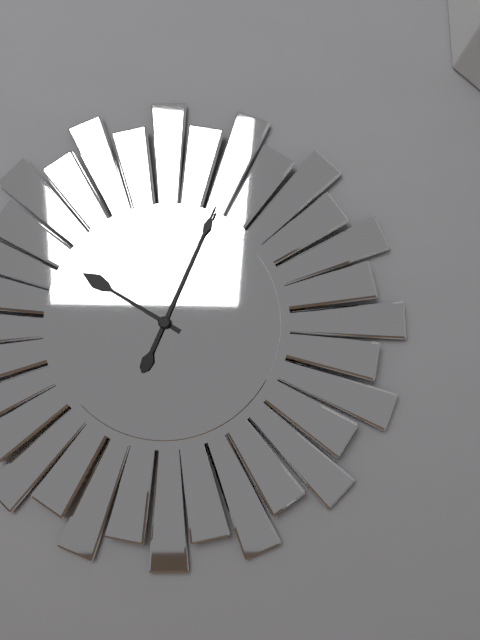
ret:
10:04
